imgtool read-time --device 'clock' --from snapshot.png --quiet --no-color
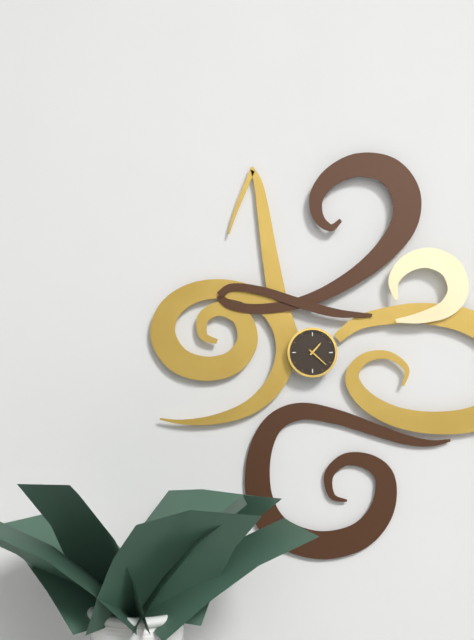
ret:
1:22
